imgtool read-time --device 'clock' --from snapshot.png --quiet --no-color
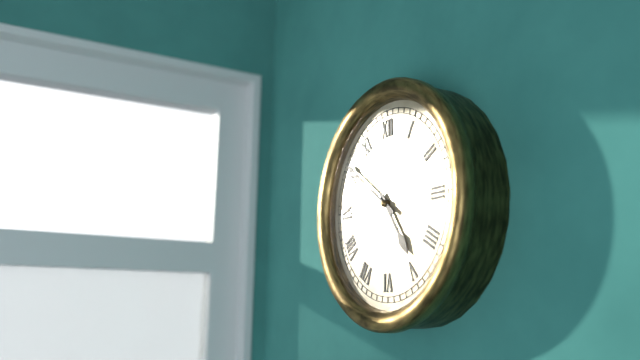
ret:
4:51
